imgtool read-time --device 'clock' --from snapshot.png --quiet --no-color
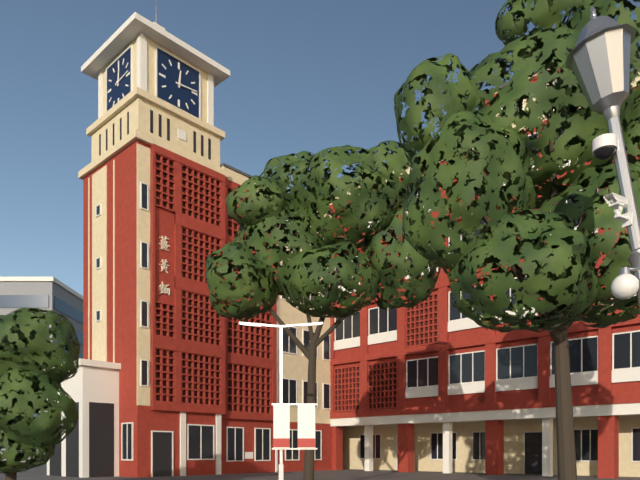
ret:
12:14
